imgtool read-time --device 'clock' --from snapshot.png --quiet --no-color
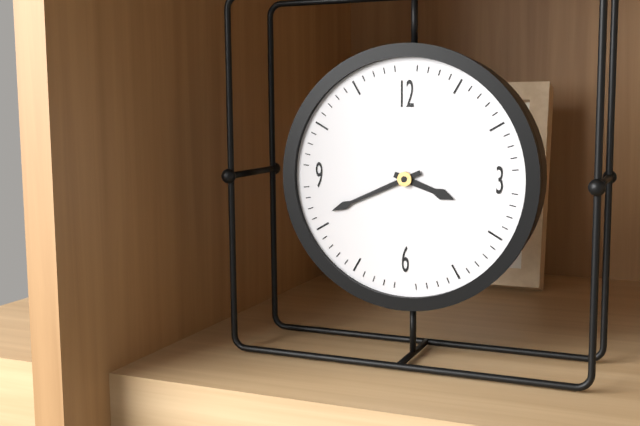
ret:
3:41
